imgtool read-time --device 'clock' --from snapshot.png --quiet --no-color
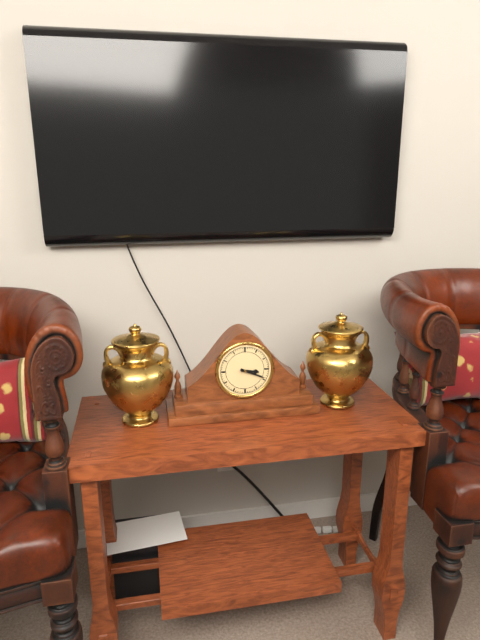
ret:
3:19
